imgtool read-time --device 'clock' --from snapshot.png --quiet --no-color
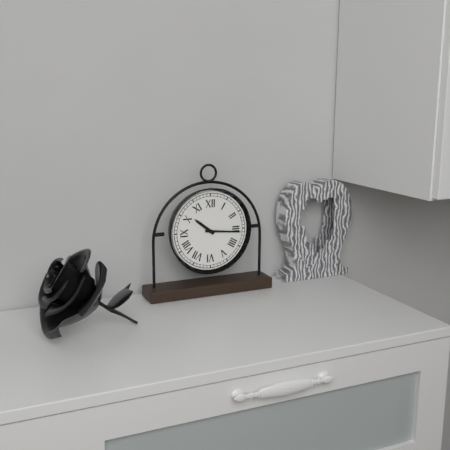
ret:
10:16
